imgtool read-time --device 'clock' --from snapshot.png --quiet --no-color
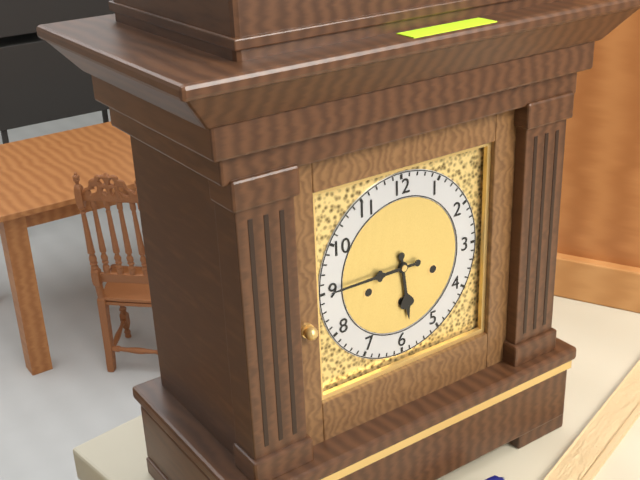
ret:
5:45
